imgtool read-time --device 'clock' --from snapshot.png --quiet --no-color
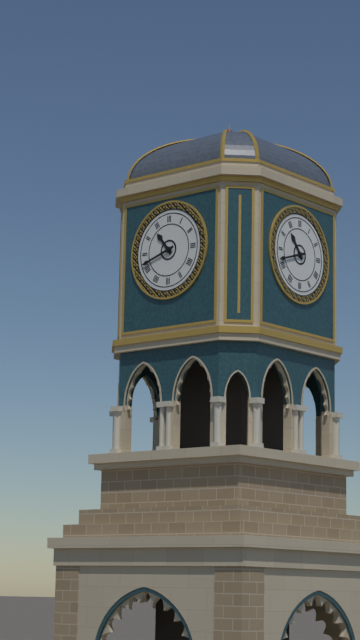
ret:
10:42
